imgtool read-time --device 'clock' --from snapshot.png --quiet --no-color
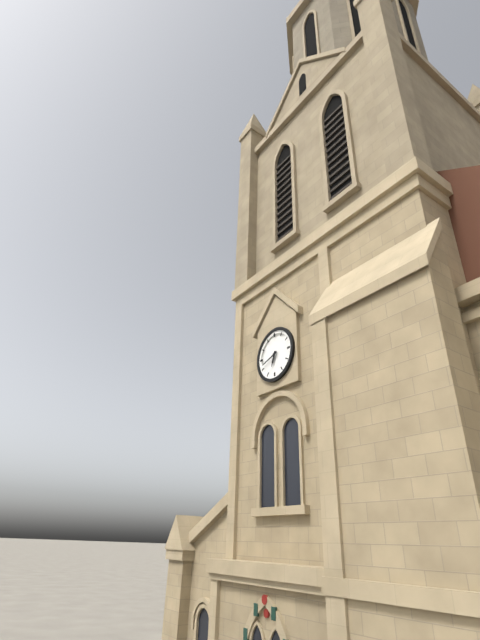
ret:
6:42
